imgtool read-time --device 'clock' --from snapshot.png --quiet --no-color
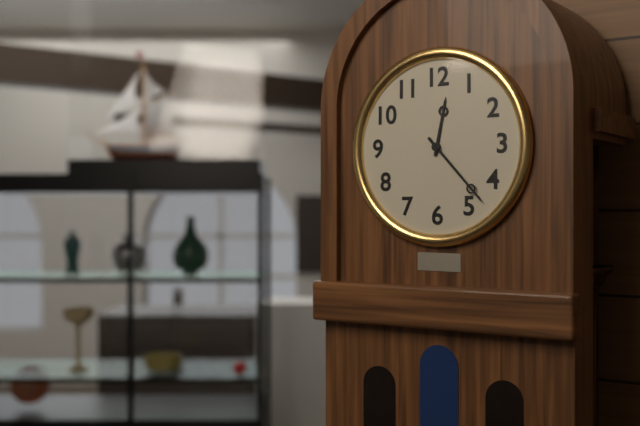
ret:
12:23
